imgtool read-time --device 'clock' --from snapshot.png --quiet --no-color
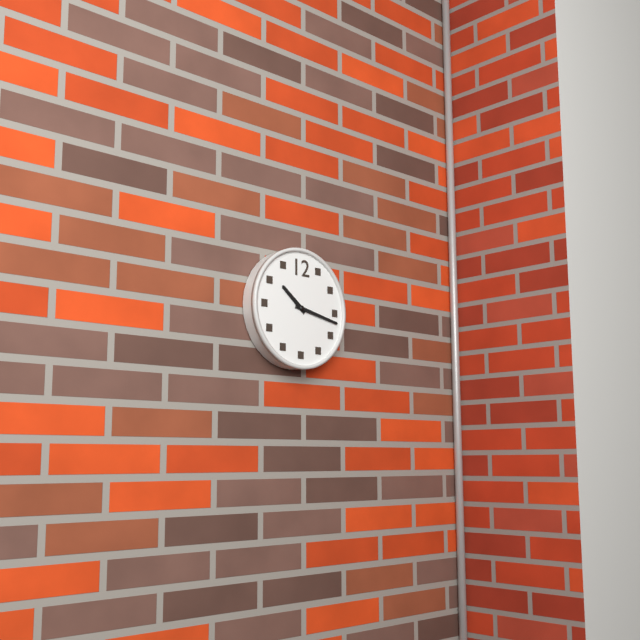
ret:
10:17
